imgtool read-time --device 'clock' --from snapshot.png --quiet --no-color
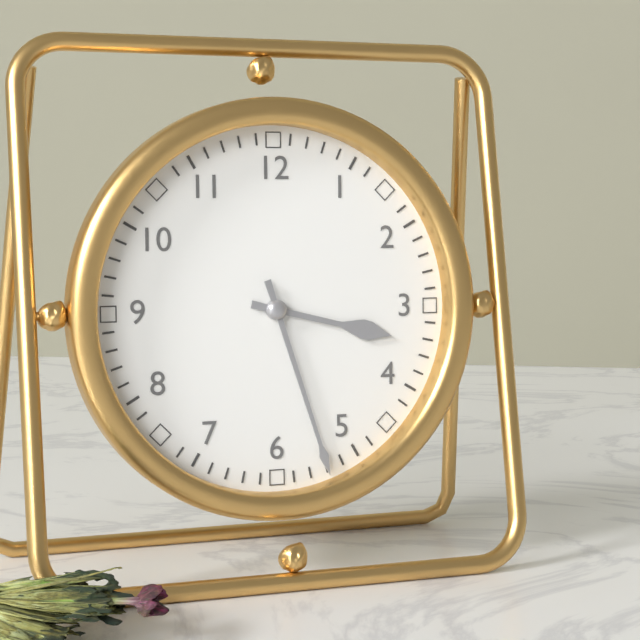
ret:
3:27
